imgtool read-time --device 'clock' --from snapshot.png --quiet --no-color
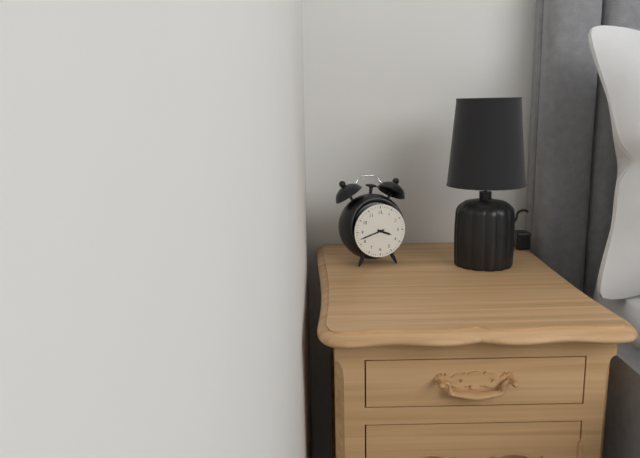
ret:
3:42
